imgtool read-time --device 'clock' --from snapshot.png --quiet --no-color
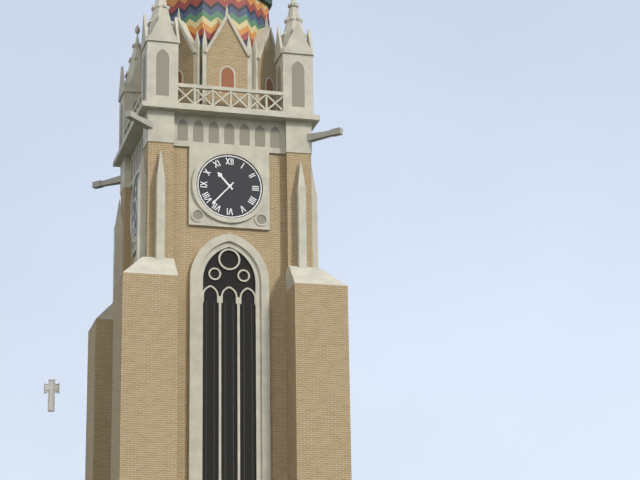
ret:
10:37
